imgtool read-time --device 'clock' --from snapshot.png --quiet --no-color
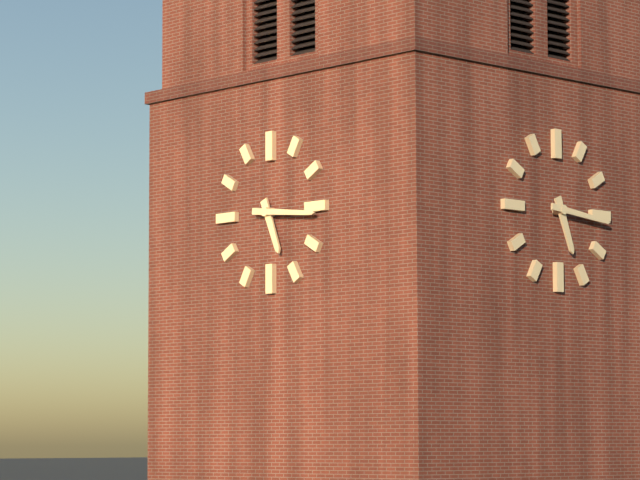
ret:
5:16
